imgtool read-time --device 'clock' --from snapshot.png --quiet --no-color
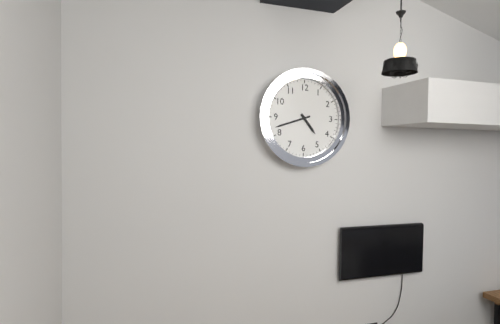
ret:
4:42
